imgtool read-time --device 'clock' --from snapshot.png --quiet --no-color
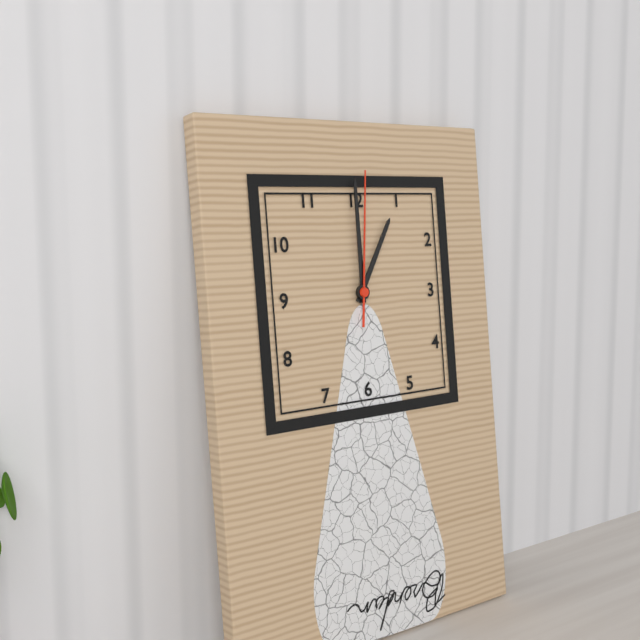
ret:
1:00:01
